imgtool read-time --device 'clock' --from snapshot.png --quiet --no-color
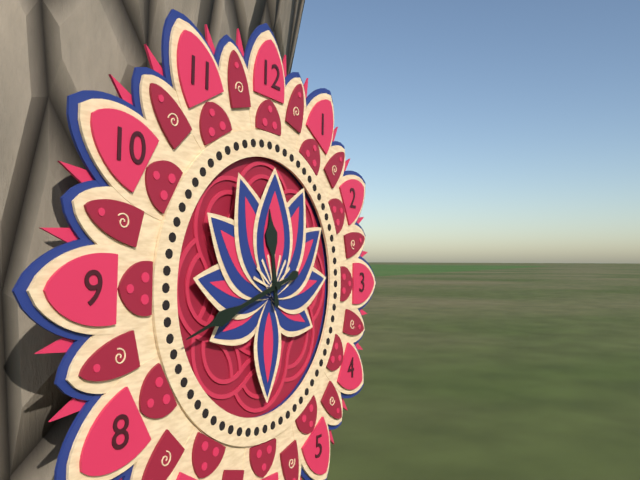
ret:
11:42
